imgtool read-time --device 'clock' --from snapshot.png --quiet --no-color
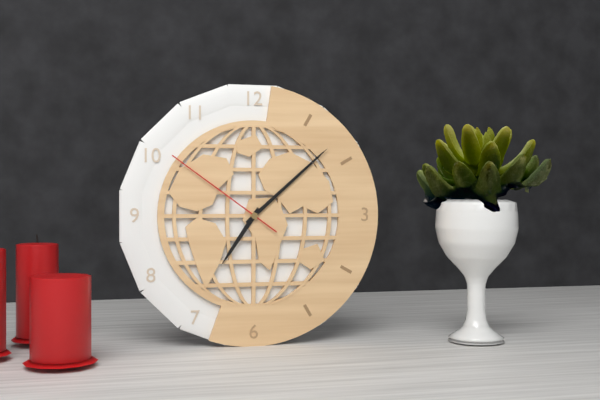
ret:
7:08:51
